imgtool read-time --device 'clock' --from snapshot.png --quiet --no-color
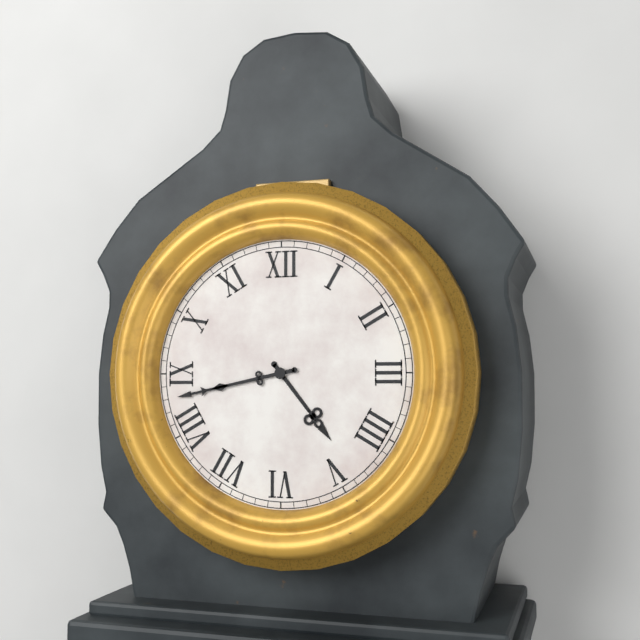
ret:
4:43
